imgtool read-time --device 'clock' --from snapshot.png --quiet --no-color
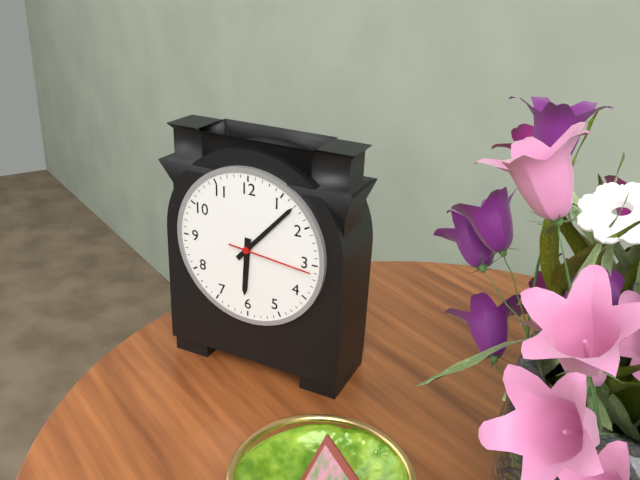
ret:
6:07:16
